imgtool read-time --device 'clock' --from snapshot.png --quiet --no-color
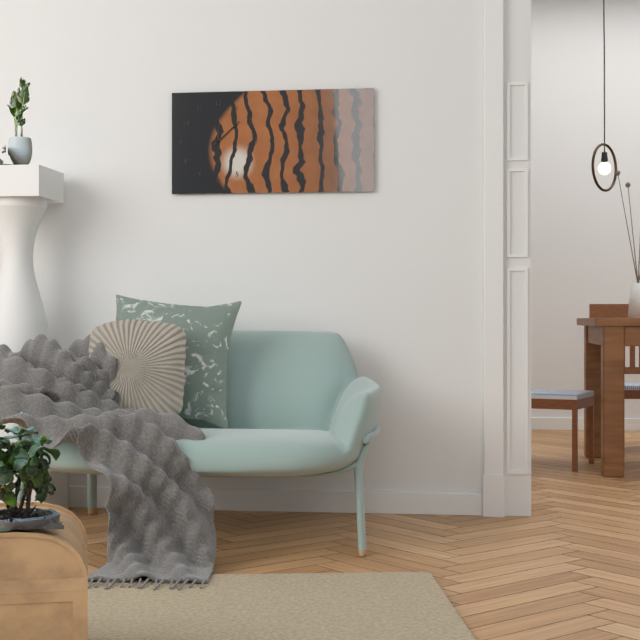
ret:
12:08
